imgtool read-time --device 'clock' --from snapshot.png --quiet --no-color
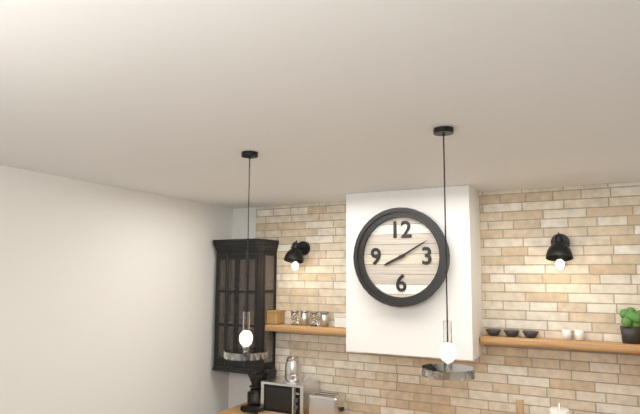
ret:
8:10
